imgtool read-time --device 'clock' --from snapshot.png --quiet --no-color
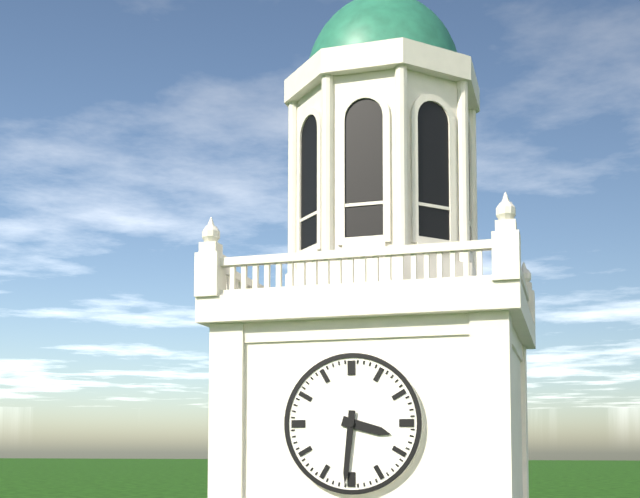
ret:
3:31
